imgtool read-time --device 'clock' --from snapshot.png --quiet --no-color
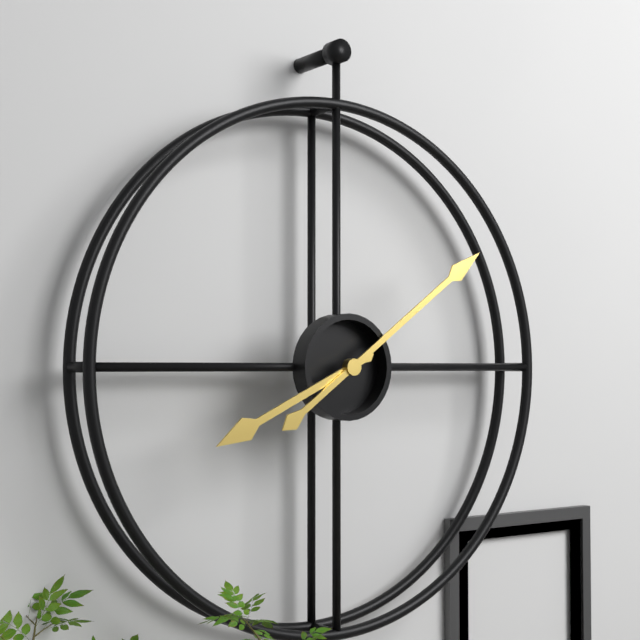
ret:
8:09
